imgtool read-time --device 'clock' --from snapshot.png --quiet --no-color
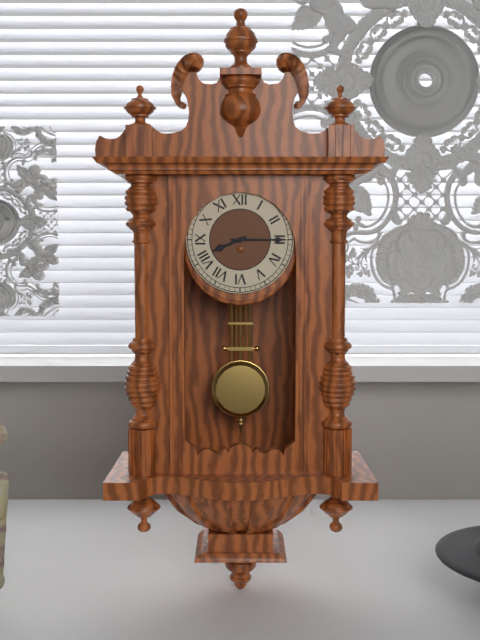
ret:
8:15
